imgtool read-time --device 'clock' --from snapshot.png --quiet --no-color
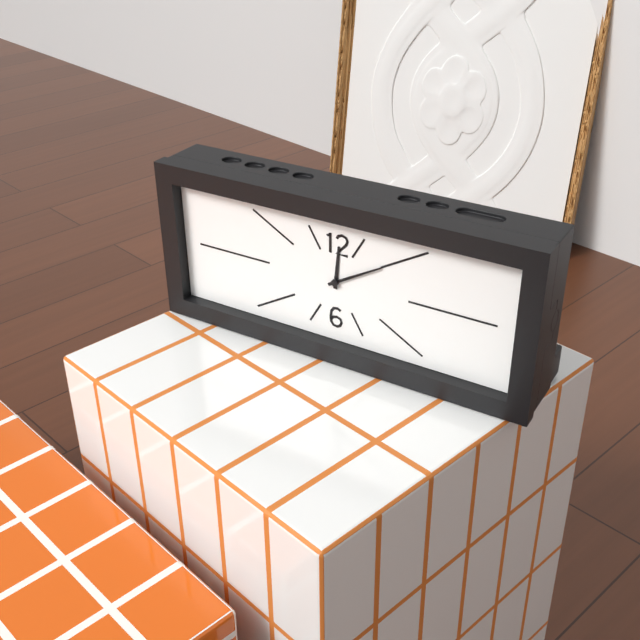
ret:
12:10
